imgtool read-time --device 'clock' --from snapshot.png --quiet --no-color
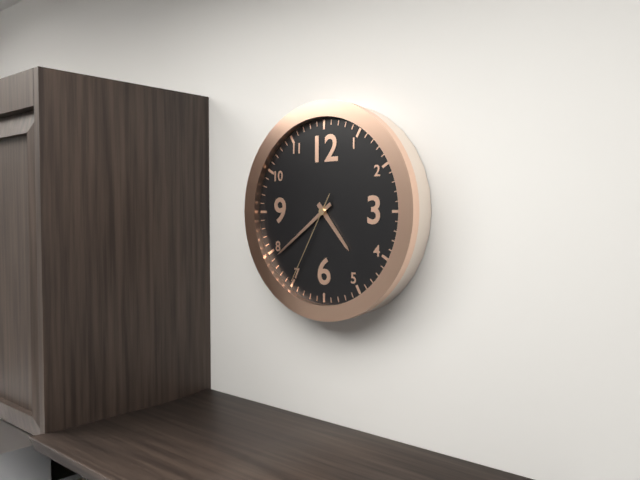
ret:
4:39:35
